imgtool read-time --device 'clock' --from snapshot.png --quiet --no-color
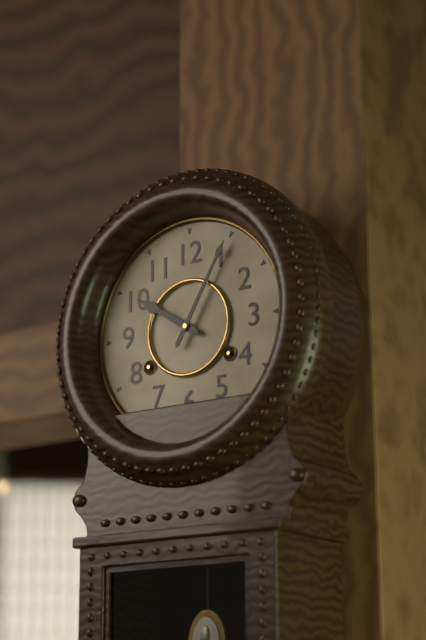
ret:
10:05
